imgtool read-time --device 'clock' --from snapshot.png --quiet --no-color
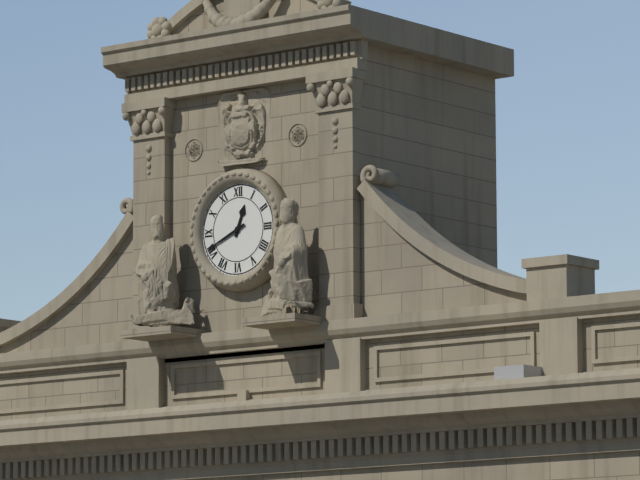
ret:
12:41
